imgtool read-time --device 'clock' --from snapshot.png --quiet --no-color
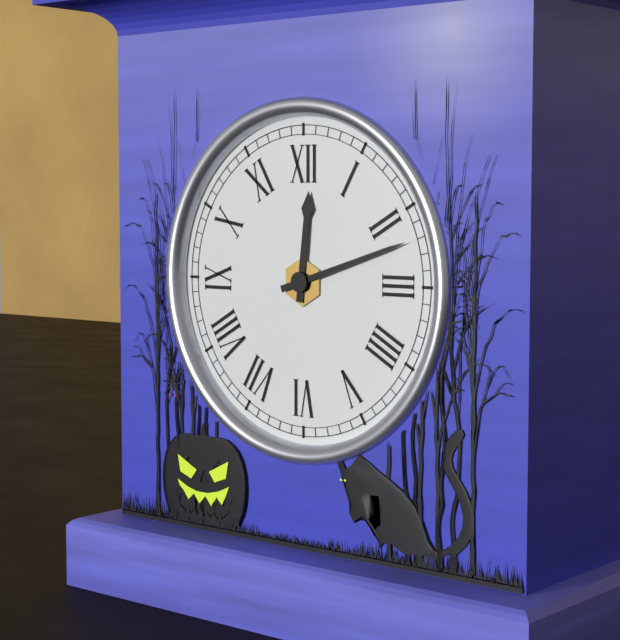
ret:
12:12
